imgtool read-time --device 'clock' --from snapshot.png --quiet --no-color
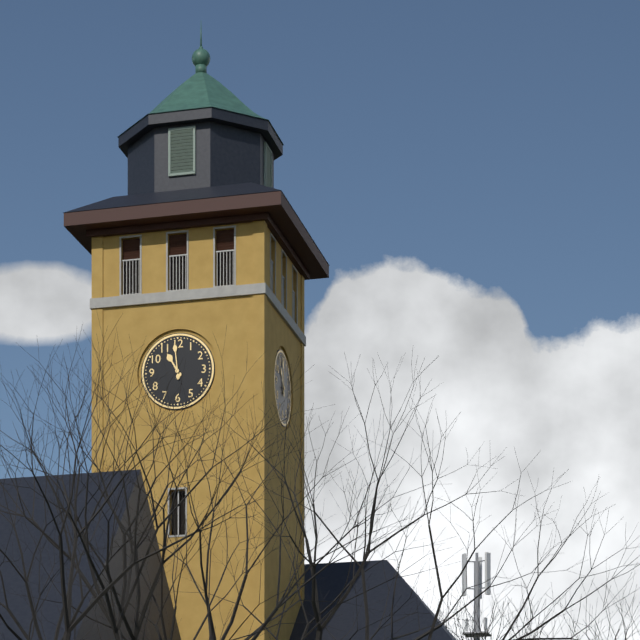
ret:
10:59
